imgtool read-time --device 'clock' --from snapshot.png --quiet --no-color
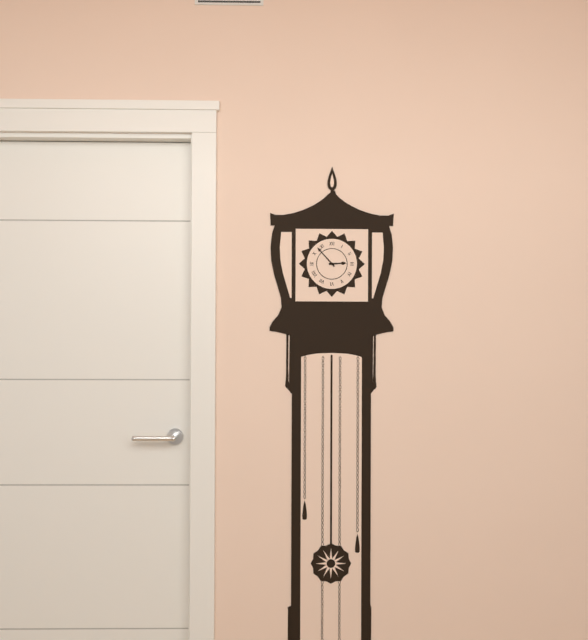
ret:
2:53
